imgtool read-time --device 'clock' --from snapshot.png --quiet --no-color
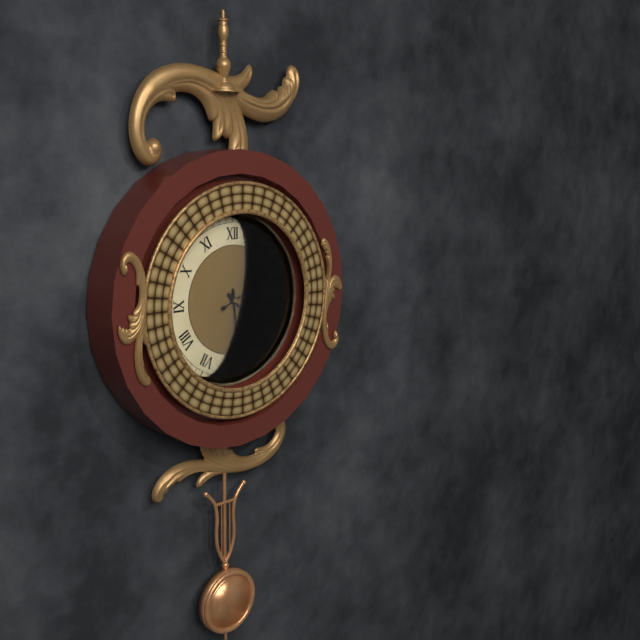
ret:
4:29:11
